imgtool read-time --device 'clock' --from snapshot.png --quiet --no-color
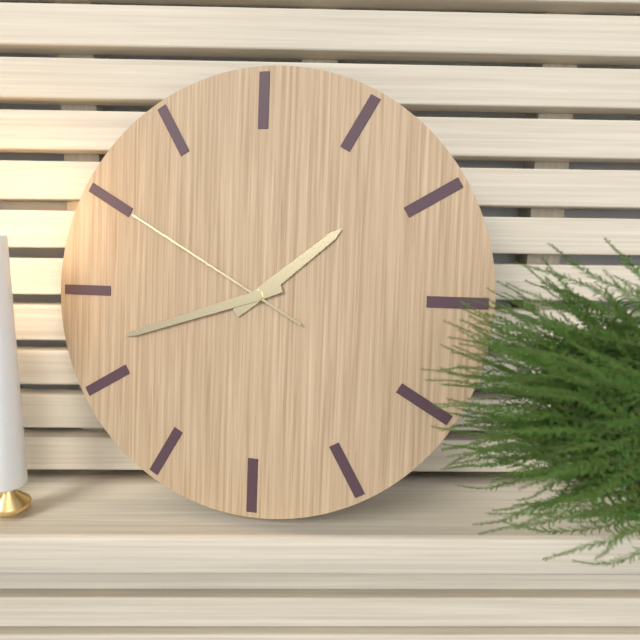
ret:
1:42:50
